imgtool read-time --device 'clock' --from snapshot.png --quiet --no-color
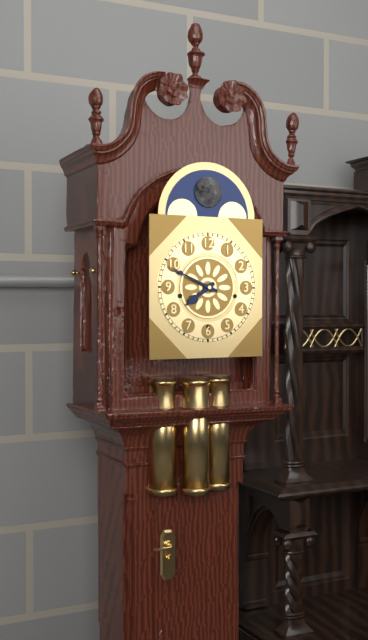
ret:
7:49
